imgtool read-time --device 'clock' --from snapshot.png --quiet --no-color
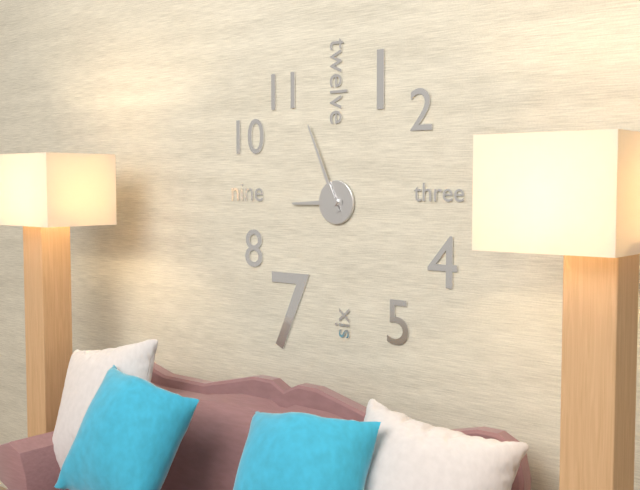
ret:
8:56
